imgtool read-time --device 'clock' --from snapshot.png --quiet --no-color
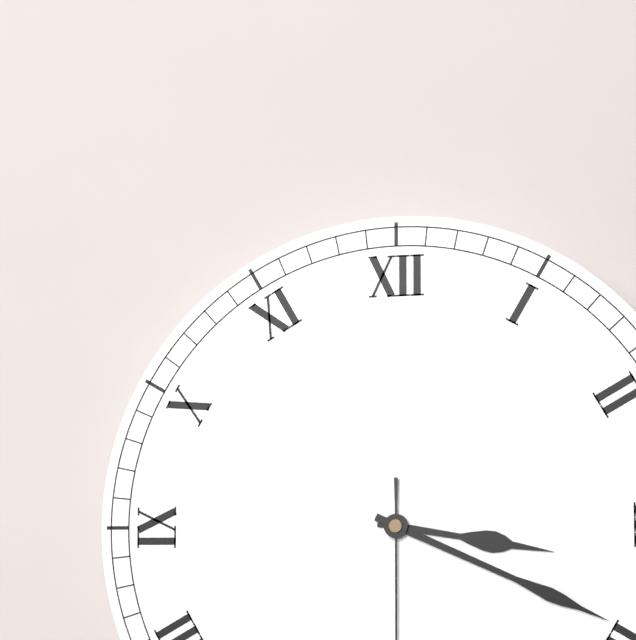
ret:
3:19
